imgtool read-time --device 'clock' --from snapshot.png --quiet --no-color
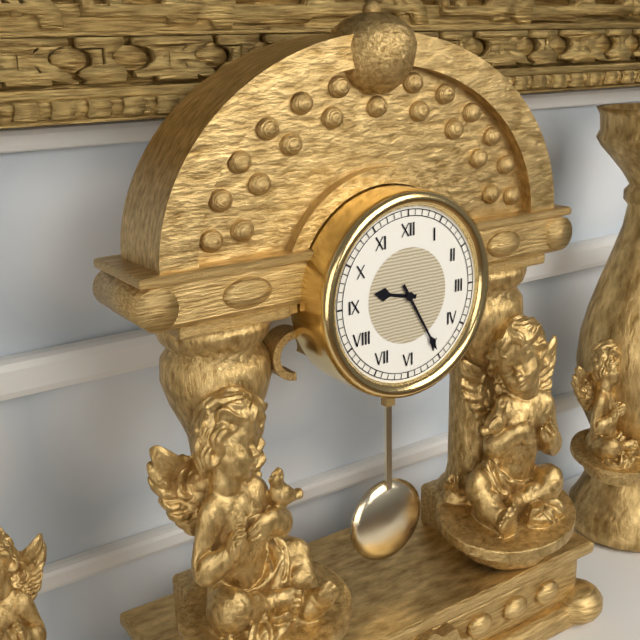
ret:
9:25
